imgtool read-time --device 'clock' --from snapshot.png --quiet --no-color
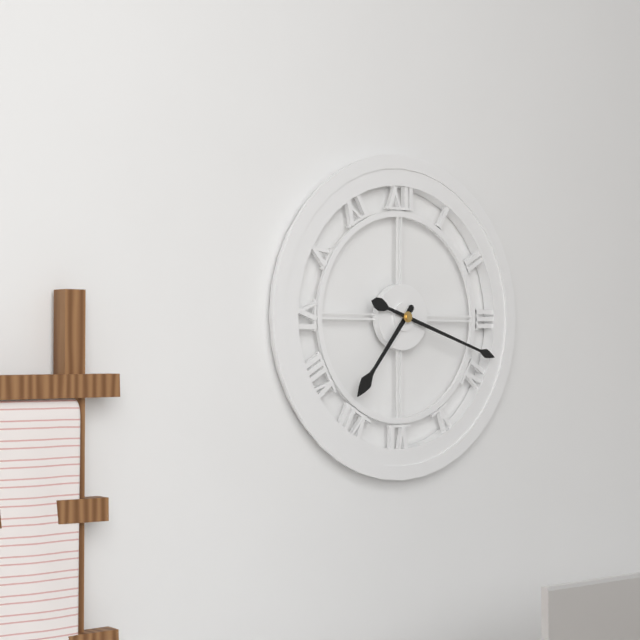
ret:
7:18
